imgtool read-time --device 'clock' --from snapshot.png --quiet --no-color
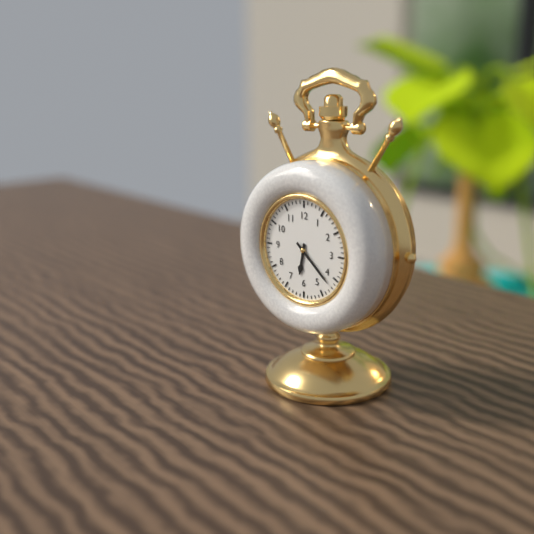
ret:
6:22
